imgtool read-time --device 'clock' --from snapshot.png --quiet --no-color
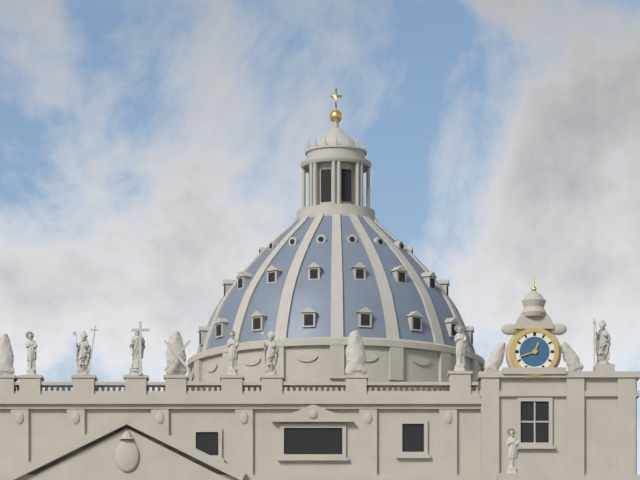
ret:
12:42
